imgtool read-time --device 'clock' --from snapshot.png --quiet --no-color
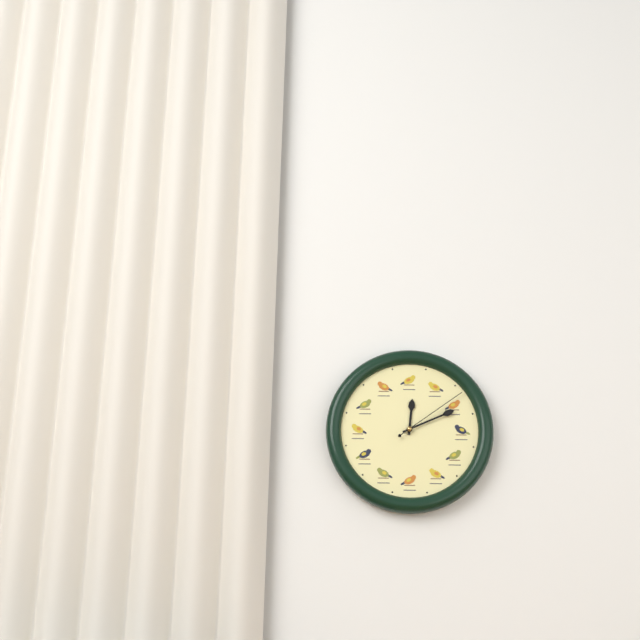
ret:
12:11:09
